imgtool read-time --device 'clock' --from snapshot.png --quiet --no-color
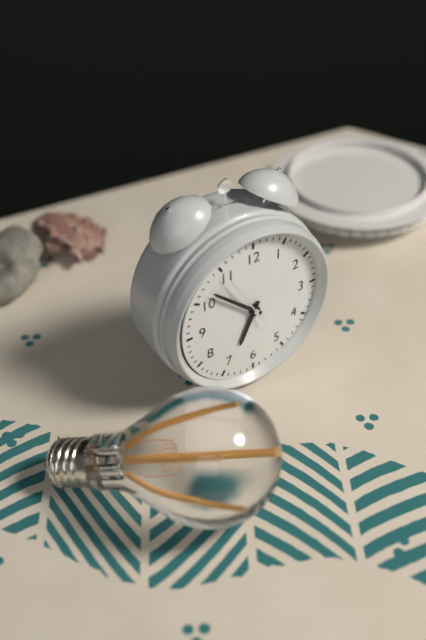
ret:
6:52:55
